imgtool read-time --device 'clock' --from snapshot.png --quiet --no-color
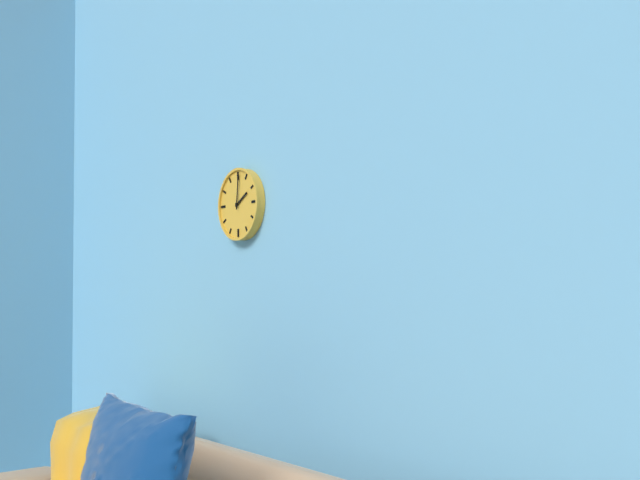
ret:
2:01
